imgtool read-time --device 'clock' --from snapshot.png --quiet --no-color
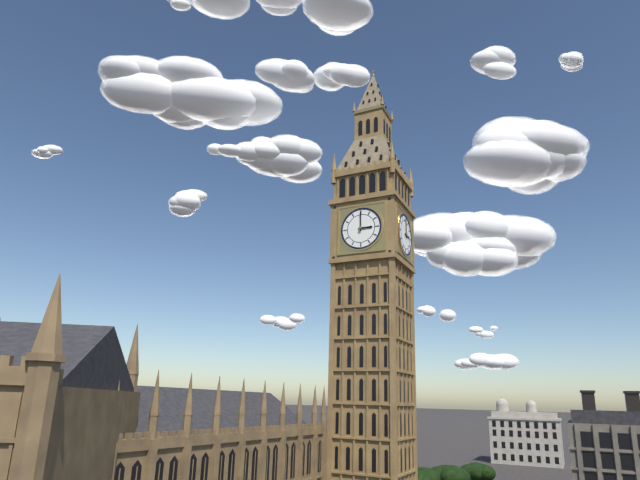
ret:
3:00
